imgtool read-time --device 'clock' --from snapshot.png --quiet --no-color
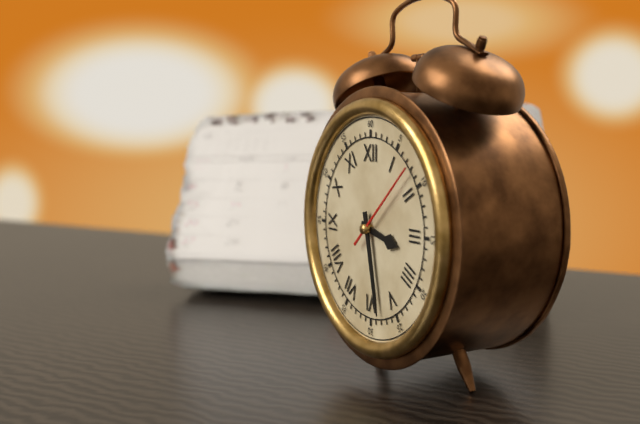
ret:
3:28:08
